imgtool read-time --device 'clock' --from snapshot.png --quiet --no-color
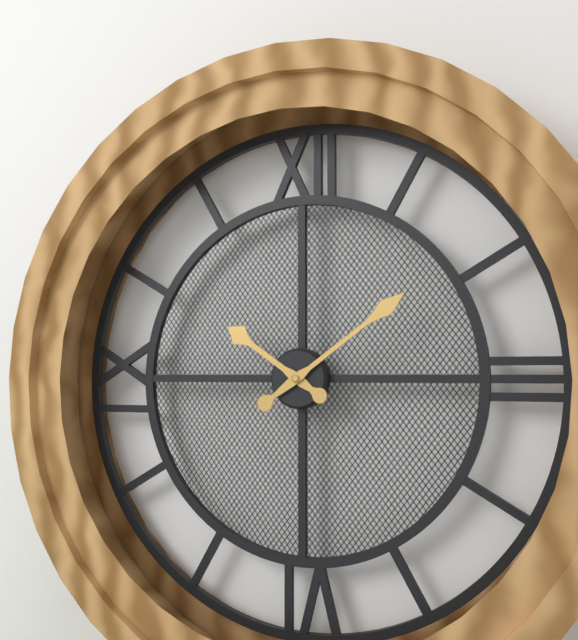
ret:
10:09
